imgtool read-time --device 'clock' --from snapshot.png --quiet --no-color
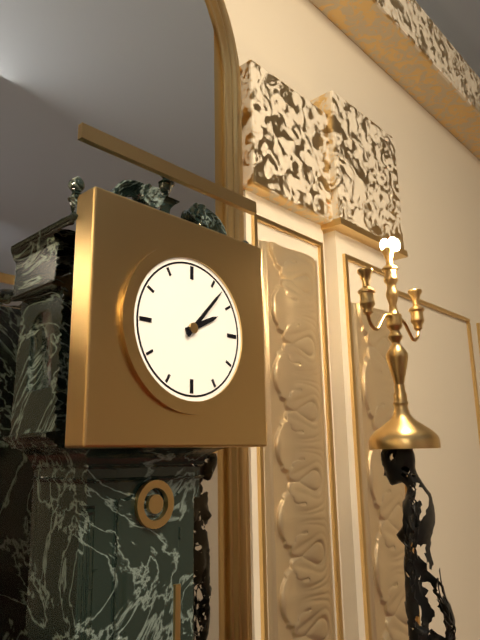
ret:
2:07
